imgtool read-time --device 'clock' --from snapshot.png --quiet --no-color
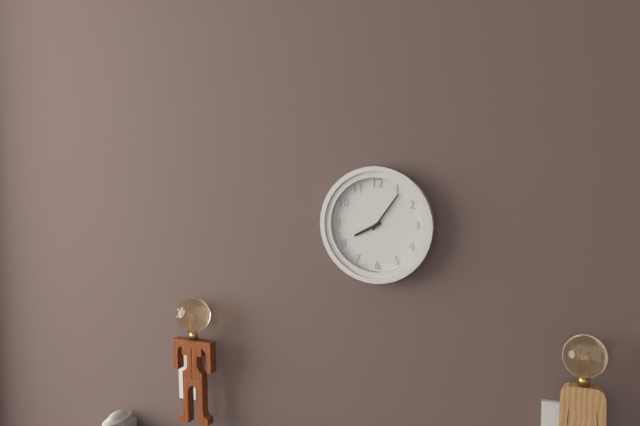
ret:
8:06
